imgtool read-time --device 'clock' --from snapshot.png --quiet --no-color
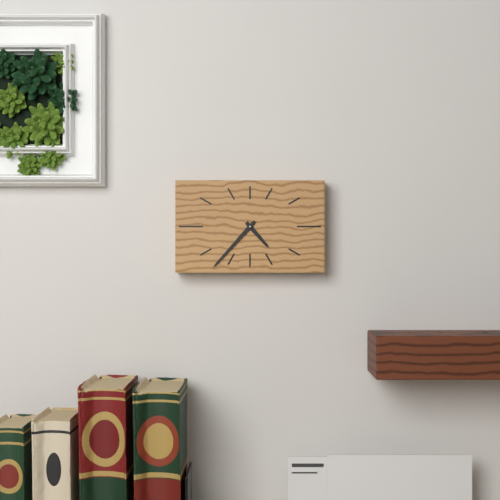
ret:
4:37
